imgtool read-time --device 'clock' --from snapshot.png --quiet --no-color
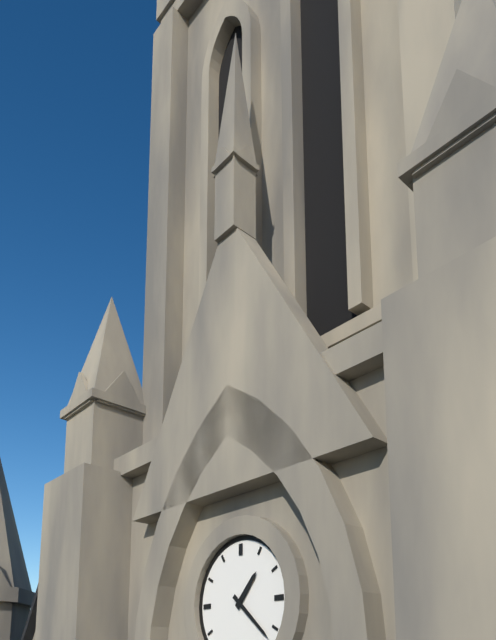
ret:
1:22
